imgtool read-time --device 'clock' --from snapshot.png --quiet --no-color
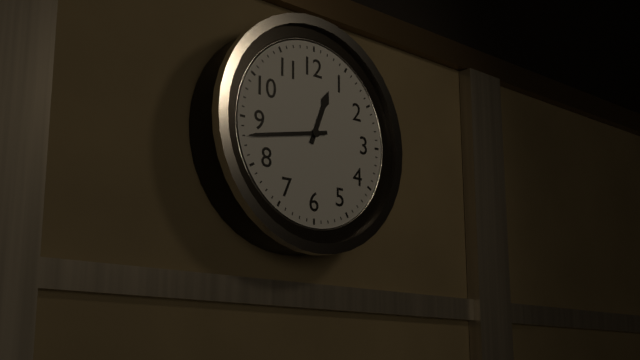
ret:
12:43
